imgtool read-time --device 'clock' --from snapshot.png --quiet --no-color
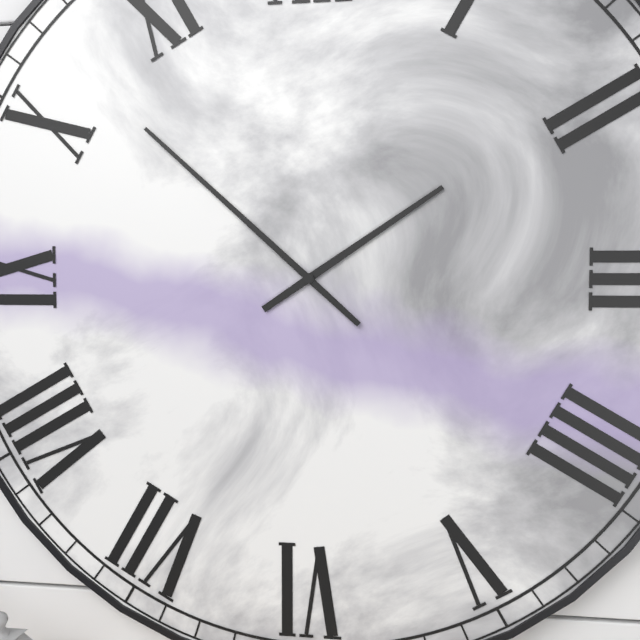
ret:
1:52
